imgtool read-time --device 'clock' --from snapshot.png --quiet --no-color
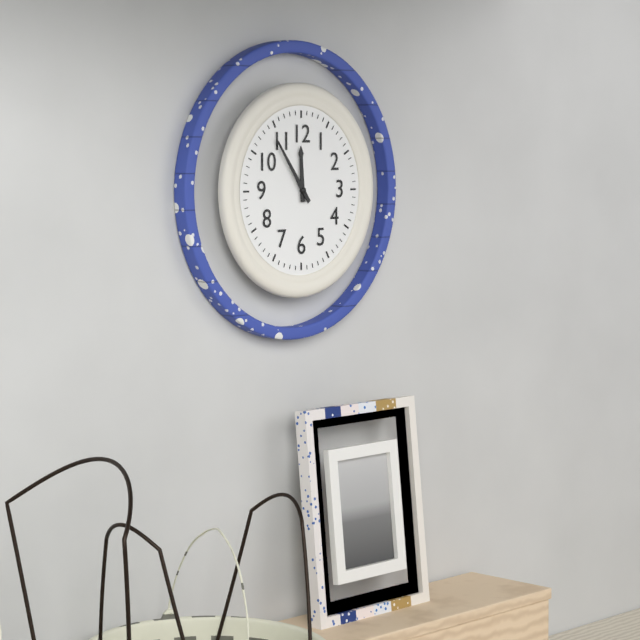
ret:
11:54
